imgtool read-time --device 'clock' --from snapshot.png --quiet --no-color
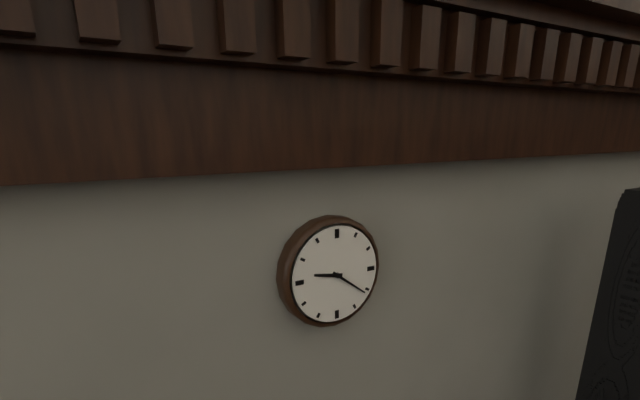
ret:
9:21
